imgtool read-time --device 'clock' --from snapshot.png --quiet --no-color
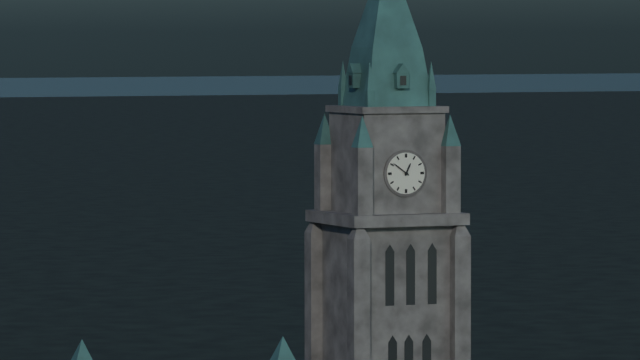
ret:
12:51
